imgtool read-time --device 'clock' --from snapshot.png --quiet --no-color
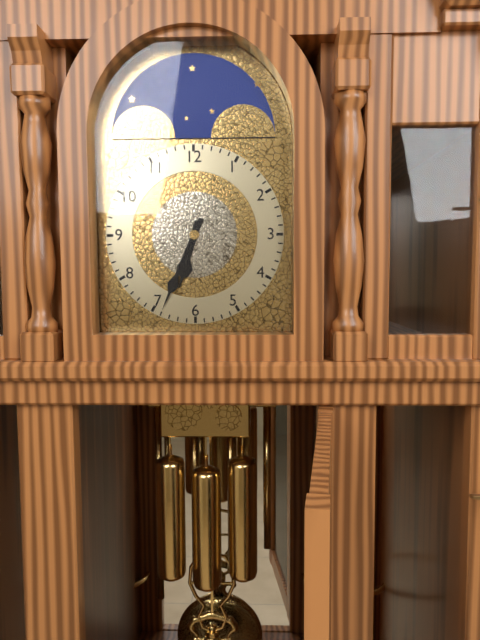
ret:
6:34
